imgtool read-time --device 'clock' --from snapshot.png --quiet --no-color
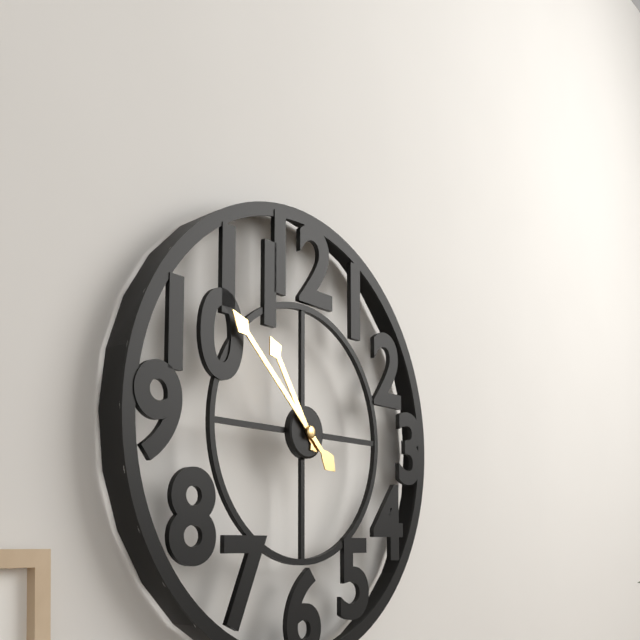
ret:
10:52
